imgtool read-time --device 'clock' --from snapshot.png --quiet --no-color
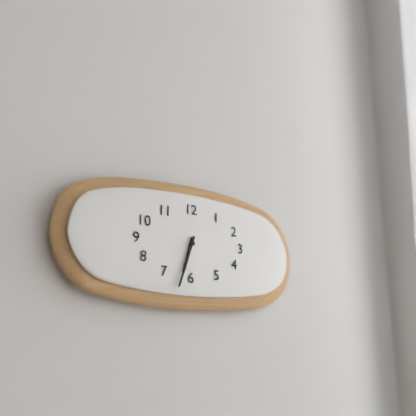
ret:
6:33
